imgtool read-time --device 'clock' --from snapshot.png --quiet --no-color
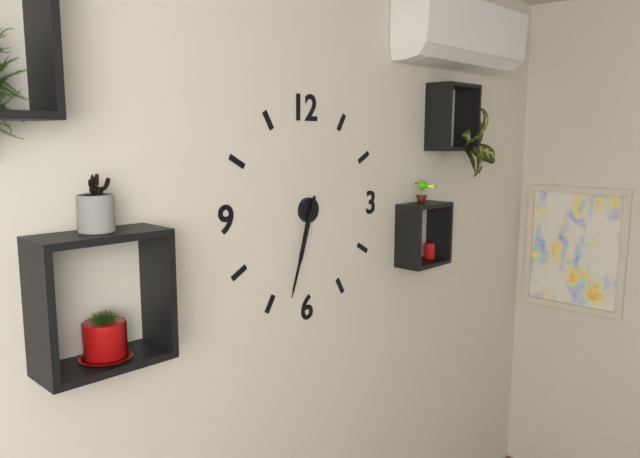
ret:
6:33
